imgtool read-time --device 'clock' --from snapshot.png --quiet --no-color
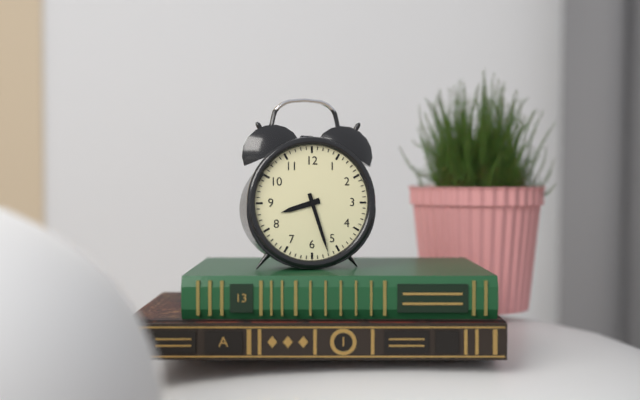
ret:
8:27
